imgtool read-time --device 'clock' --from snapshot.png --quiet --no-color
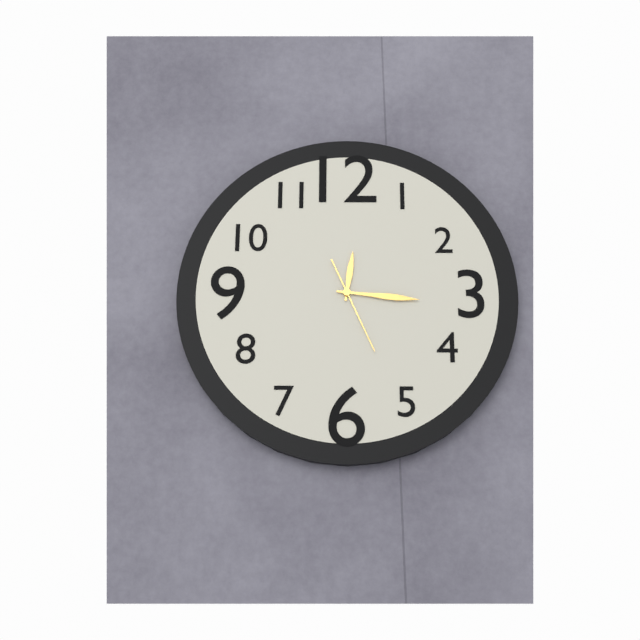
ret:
12:16:26
